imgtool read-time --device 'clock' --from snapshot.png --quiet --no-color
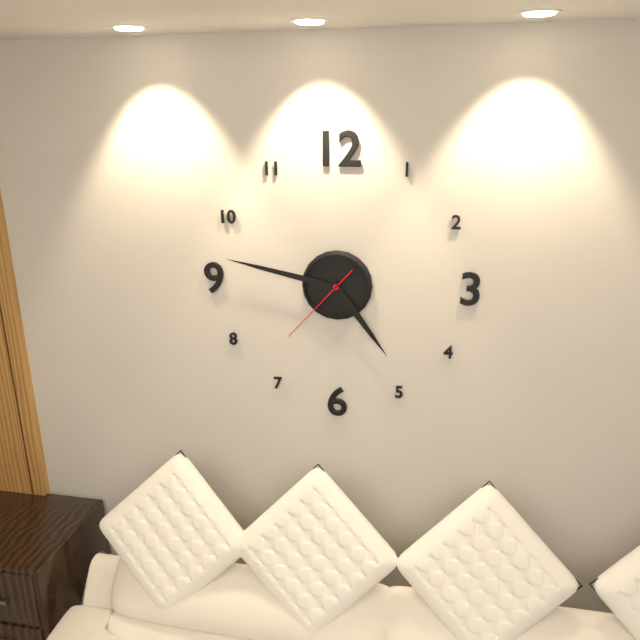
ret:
4:47:37
